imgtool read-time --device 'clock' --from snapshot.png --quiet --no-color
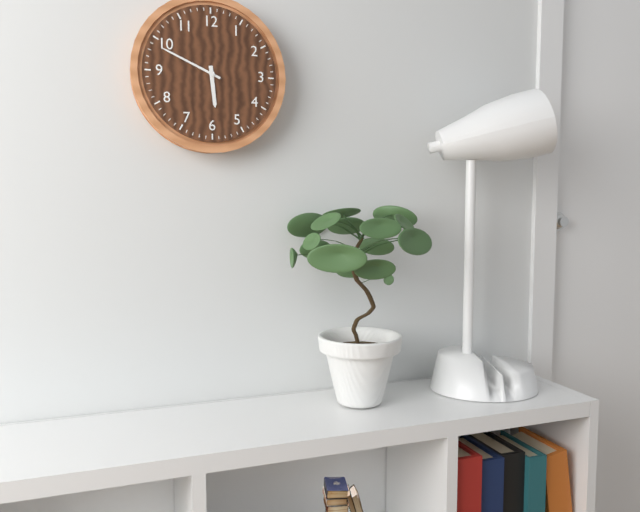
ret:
5:49
